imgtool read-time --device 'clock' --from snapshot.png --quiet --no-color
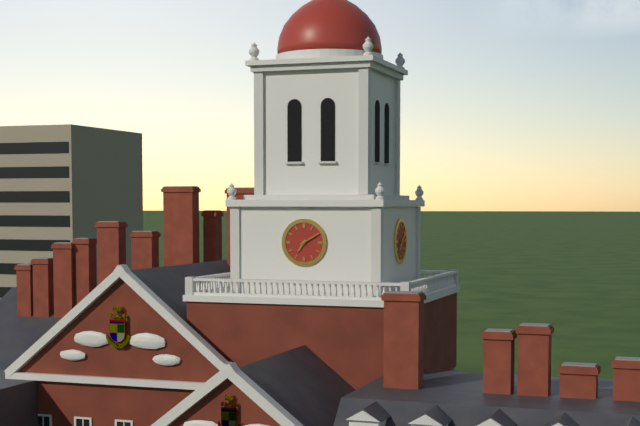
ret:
7:10
